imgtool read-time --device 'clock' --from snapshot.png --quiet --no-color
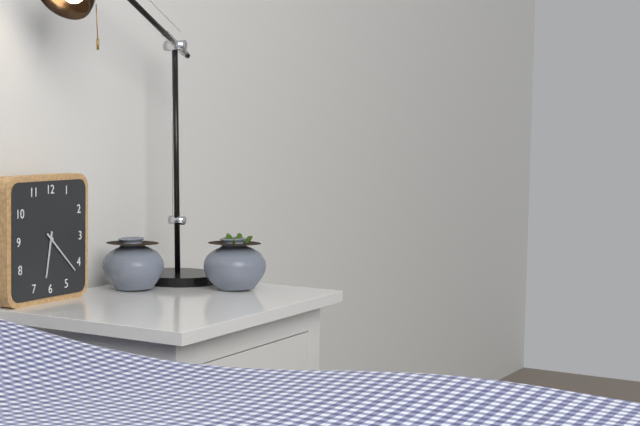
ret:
6:22
